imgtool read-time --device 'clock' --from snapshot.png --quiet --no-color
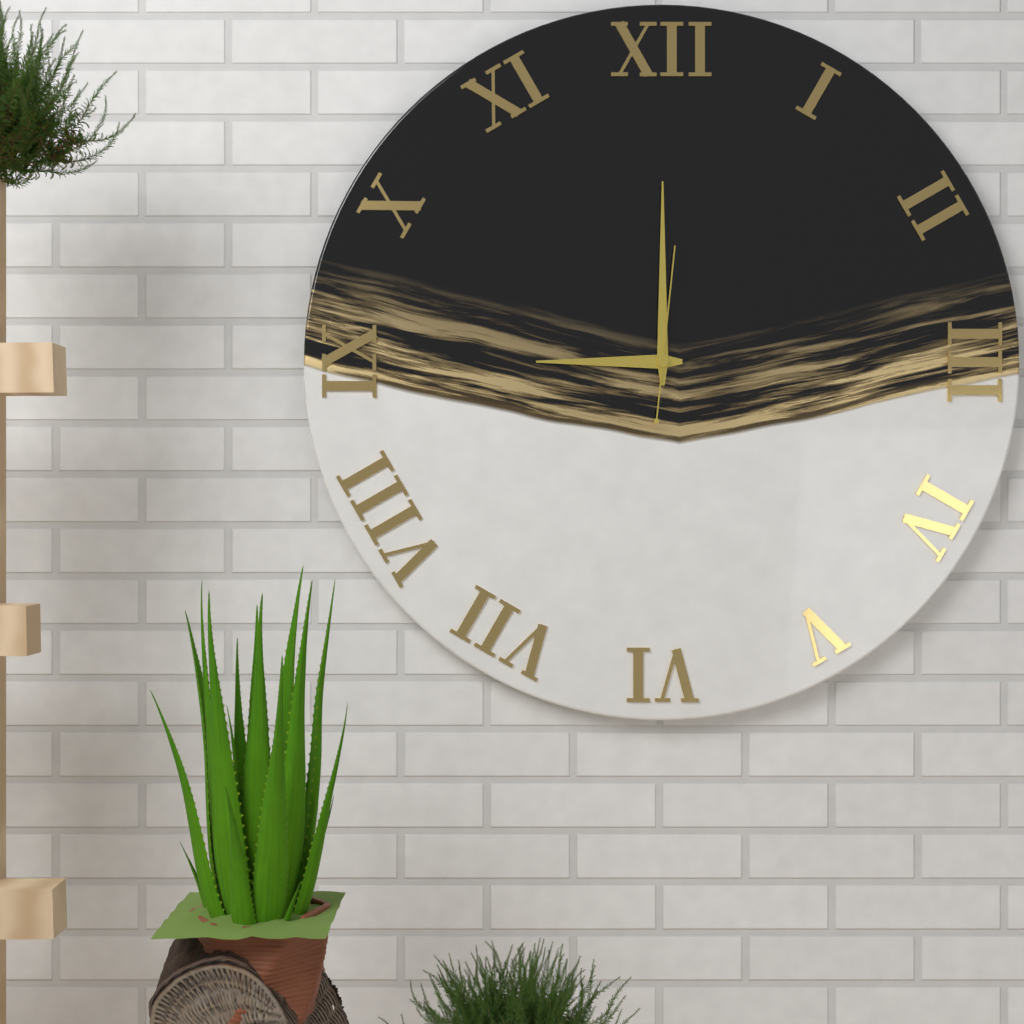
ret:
9:00:01
